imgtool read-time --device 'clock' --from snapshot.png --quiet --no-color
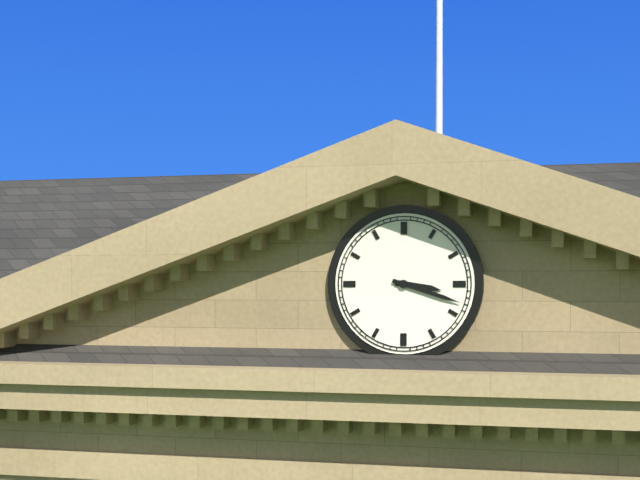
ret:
3:18
